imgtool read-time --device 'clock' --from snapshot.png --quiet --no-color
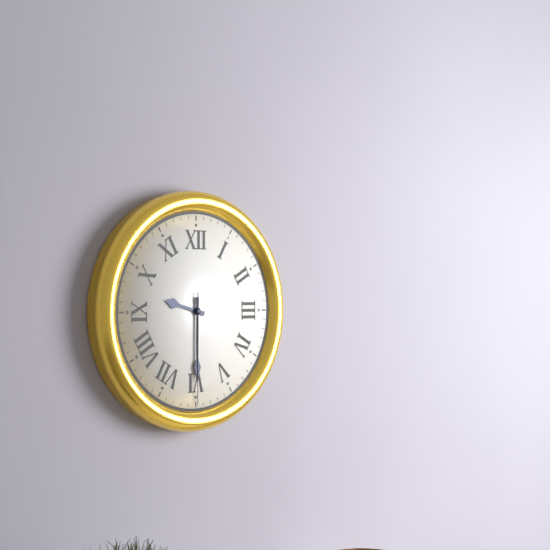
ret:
9:30:30
